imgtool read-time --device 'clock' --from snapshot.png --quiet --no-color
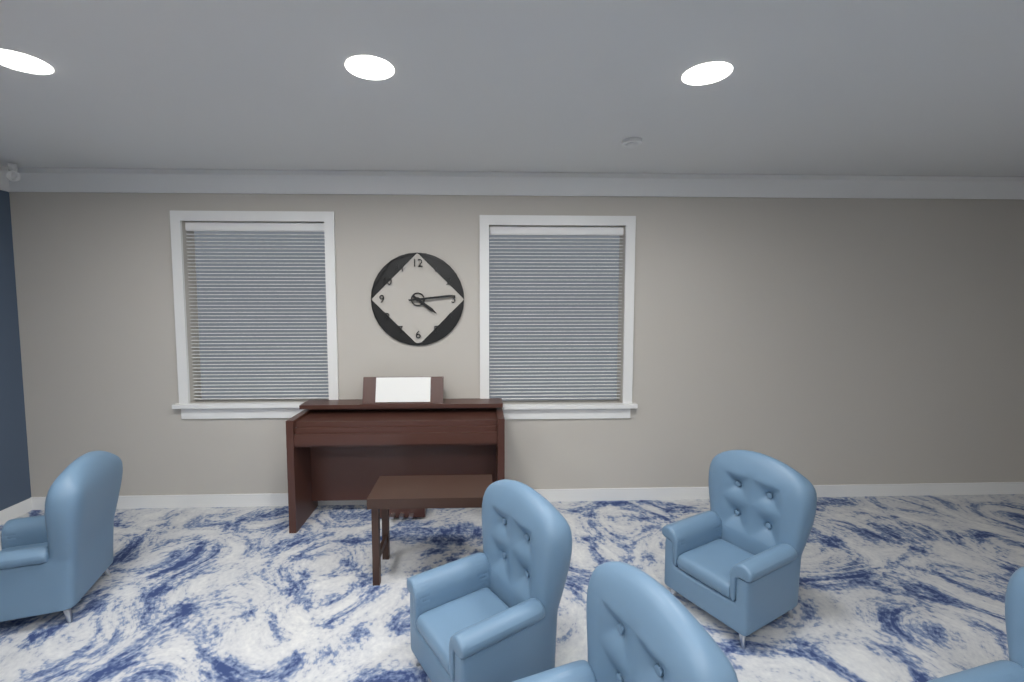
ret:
4:14
